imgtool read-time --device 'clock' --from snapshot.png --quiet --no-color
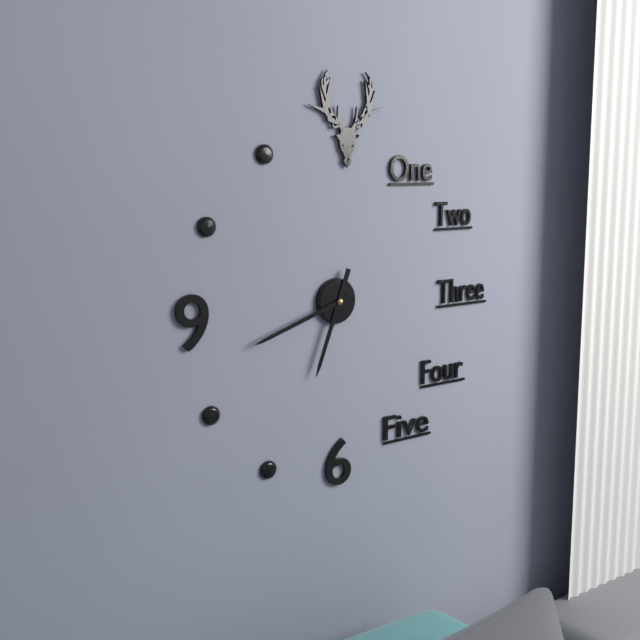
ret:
6:42
